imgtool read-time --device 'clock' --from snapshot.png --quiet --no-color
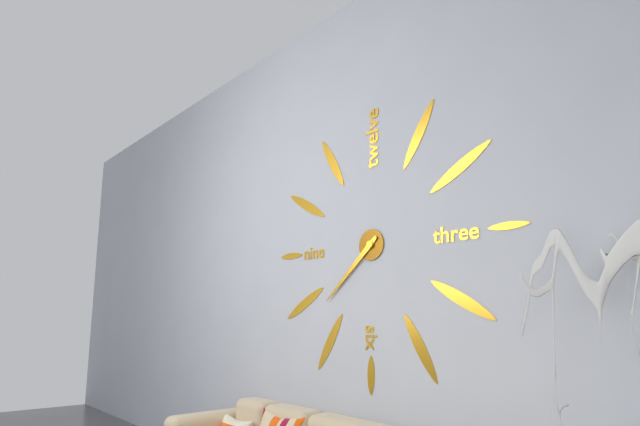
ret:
7:38
